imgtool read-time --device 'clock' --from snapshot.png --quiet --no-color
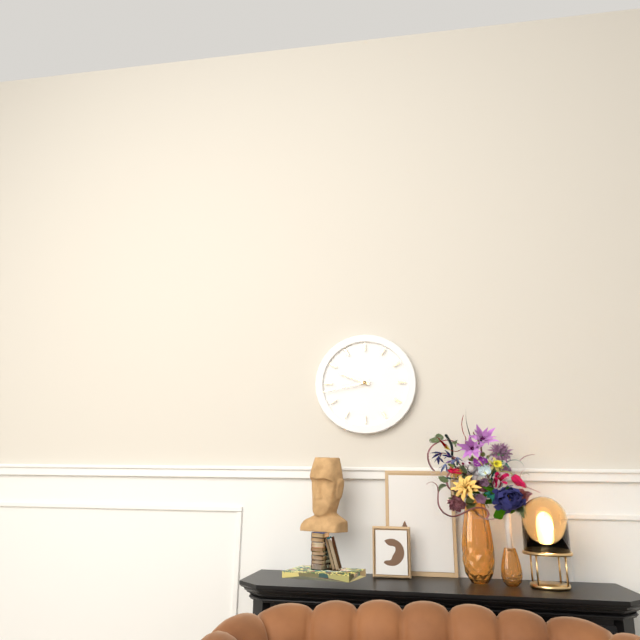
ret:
9:43
